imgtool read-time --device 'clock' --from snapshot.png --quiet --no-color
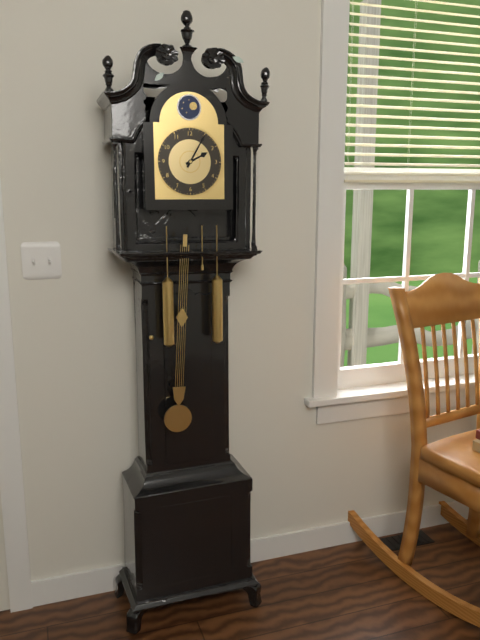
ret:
2:05
